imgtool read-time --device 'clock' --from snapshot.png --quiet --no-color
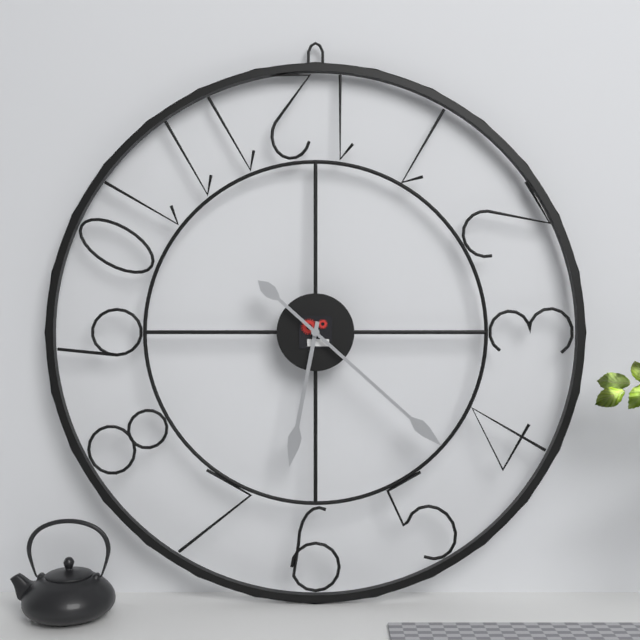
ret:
6:22
